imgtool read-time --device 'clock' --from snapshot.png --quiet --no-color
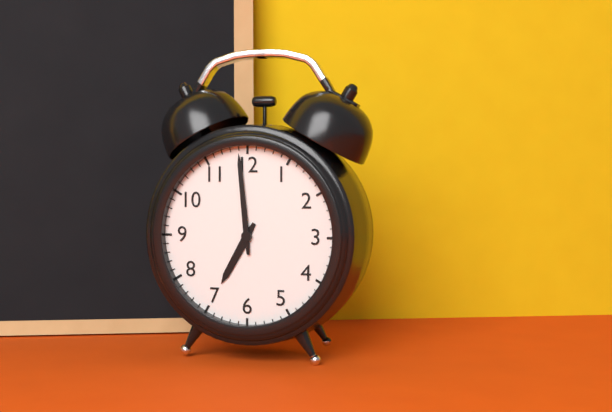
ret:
6:59
